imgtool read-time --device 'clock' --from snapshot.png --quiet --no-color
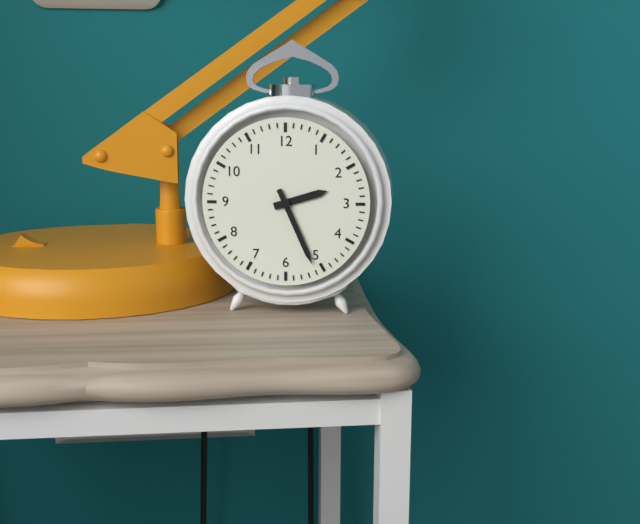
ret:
2:26
